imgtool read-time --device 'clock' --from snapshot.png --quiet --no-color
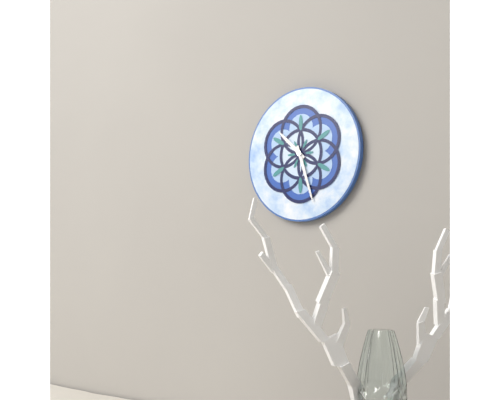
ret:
10:27
